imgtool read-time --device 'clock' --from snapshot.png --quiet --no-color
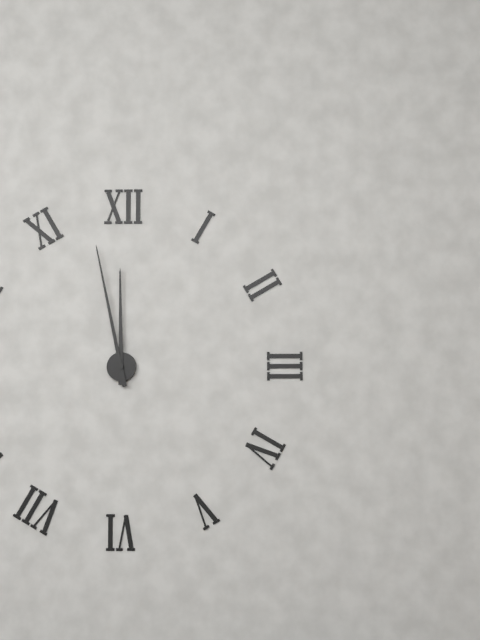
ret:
11:58
